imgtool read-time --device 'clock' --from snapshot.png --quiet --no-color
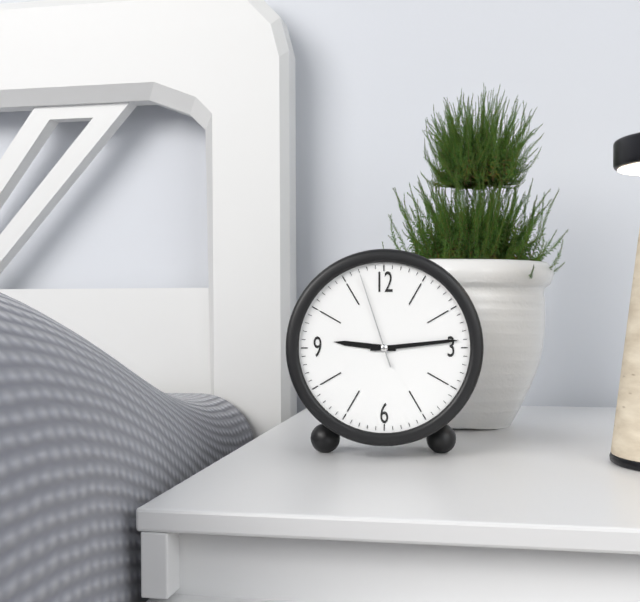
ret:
9:14:57
